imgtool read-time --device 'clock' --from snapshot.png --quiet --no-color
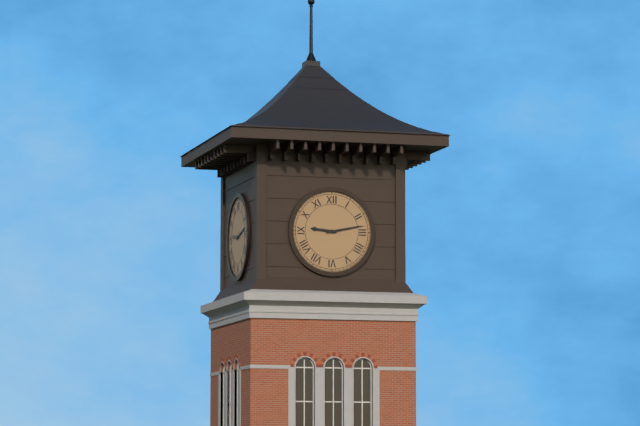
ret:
9:13
